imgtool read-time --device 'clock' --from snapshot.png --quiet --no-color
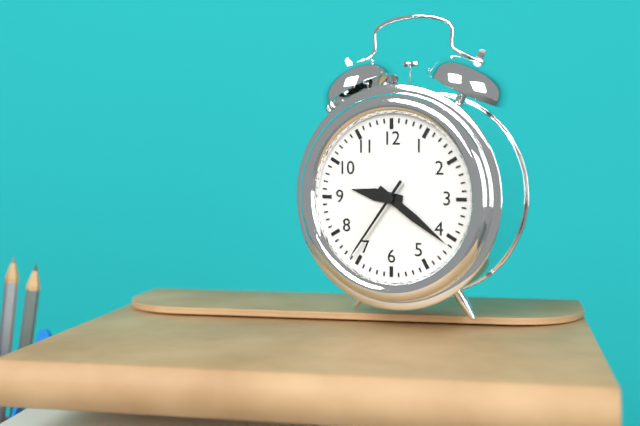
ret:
9:21:36
